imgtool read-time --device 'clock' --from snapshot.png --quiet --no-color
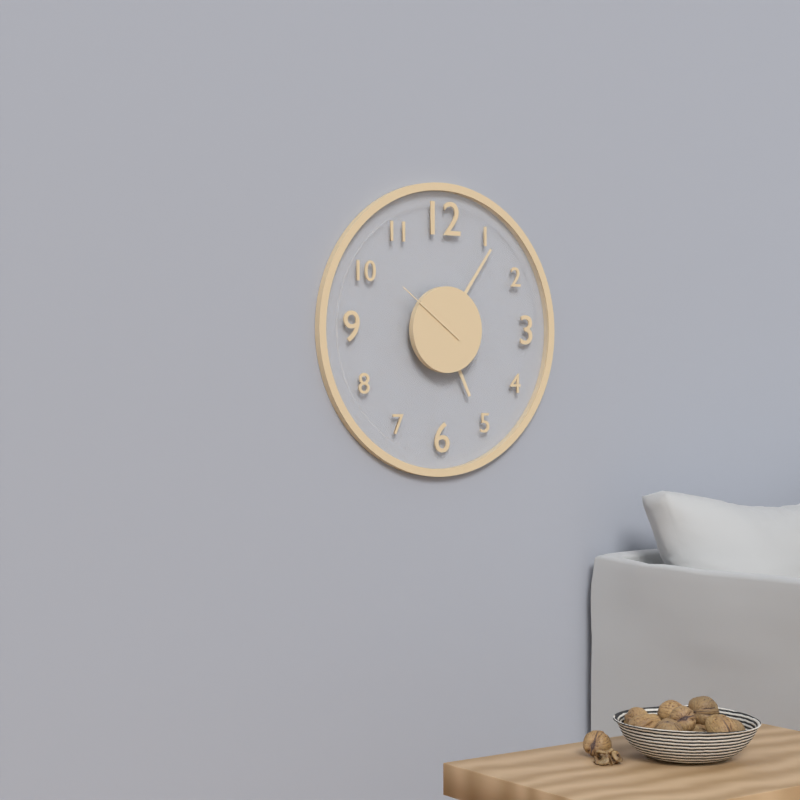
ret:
5:06:51
